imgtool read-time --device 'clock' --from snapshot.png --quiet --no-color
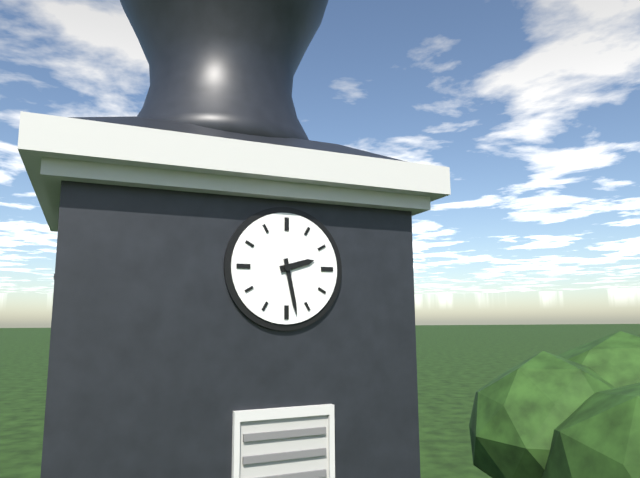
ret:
2:28
